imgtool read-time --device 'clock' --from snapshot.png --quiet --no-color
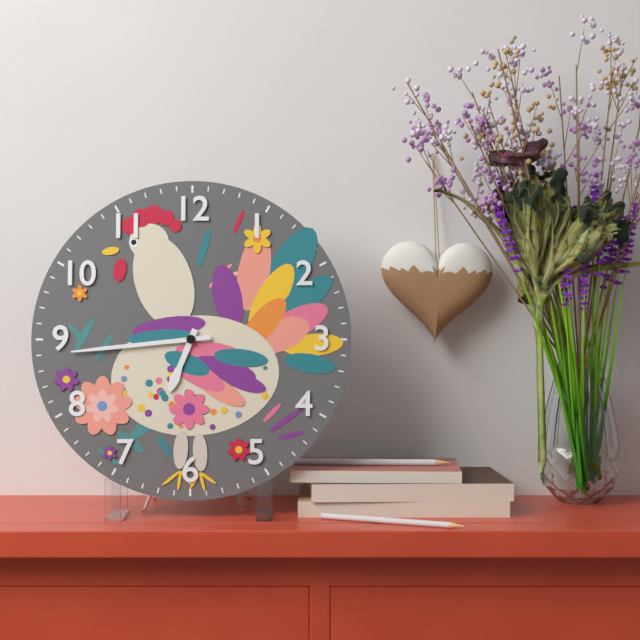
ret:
6:44
